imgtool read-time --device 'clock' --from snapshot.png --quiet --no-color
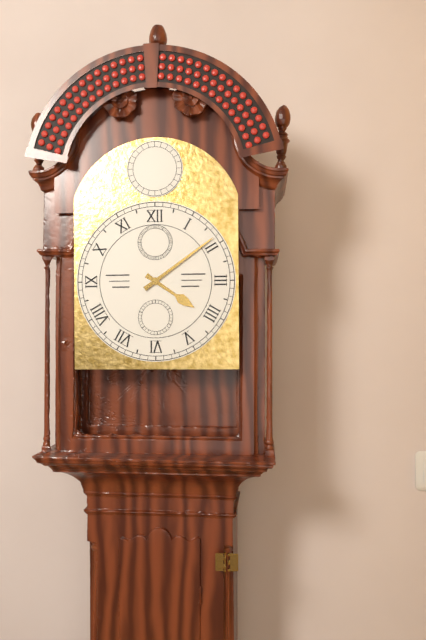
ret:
4:09
